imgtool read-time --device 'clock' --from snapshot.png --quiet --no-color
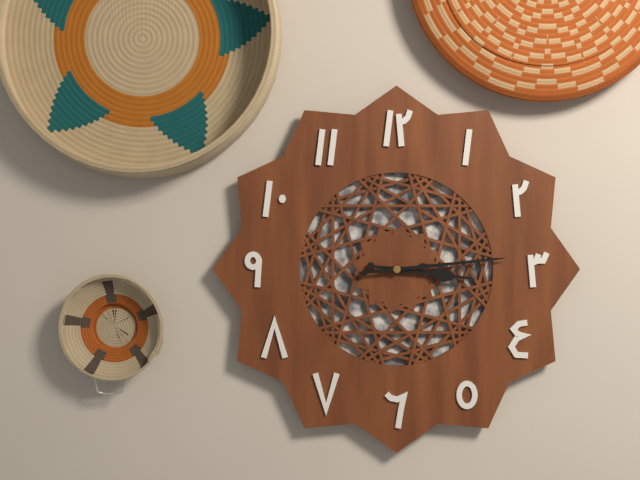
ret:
3:14
